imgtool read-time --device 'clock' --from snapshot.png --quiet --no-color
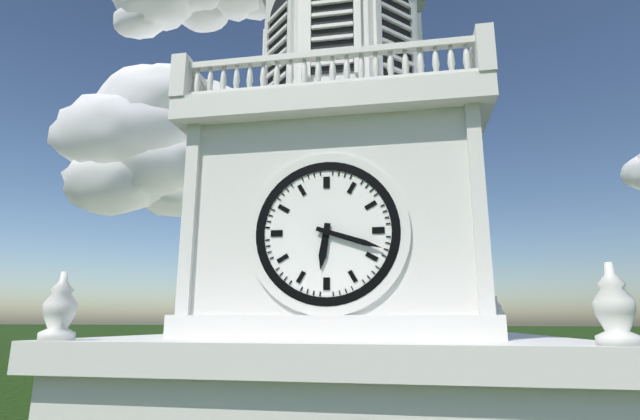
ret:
6:18
